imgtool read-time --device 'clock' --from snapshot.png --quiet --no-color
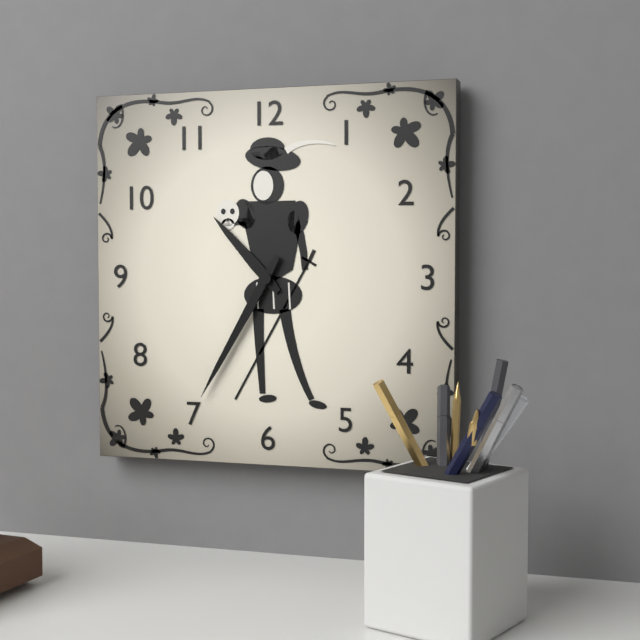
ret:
10:35
